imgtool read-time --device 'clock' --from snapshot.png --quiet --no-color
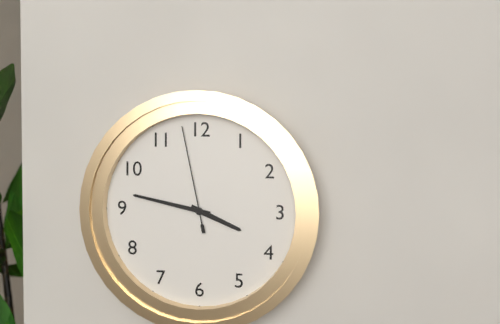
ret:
3:47:58
